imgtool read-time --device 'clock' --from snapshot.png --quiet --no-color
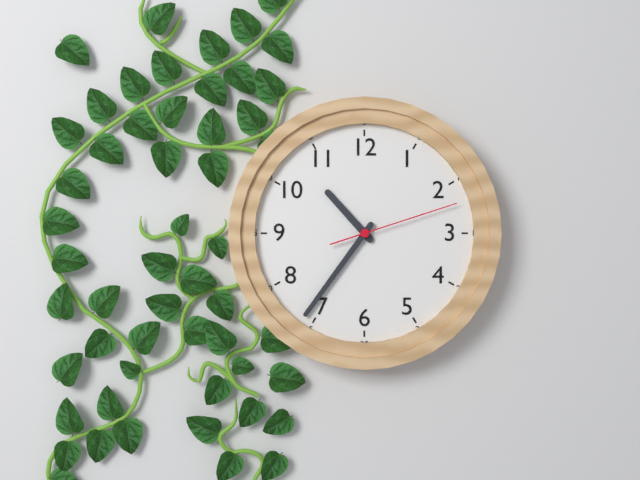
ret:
10:36:12
